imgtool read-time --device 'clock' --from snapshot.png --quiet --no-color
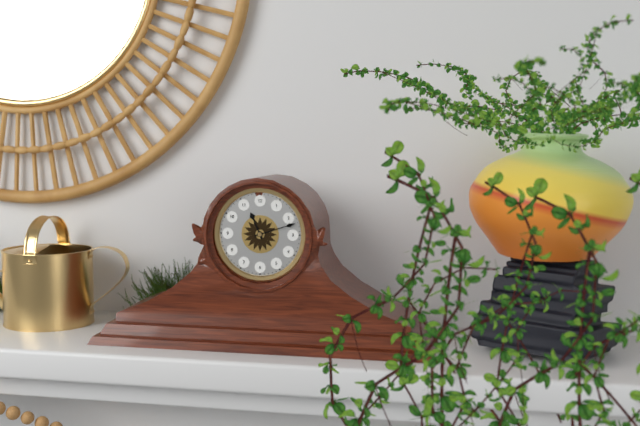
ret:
11:12
